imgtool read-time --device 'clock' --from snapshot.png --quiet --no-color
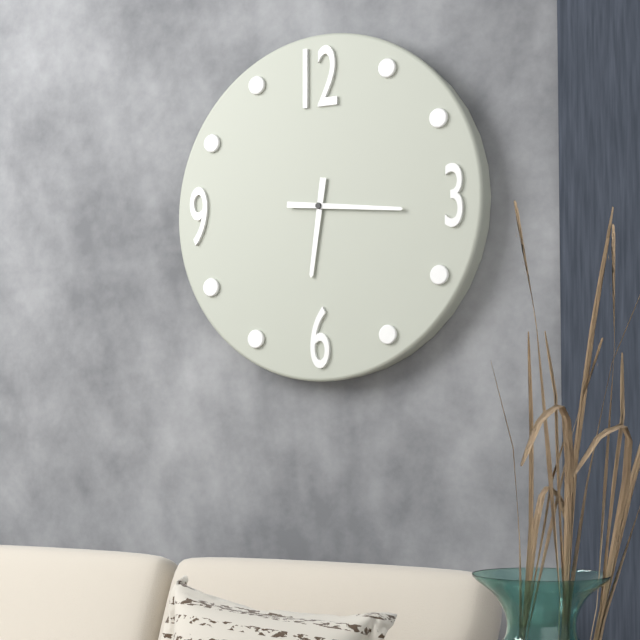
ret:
6:16
